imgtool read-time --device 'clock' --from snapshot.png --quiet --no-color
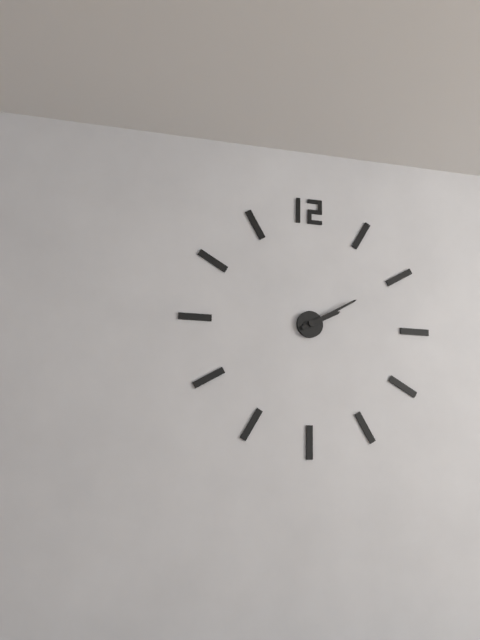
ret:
2:10
